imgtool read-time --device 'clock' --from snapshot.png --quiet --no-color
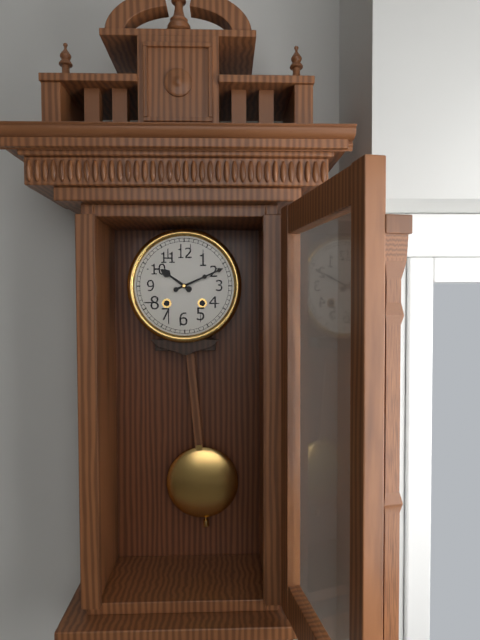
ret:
10:11
